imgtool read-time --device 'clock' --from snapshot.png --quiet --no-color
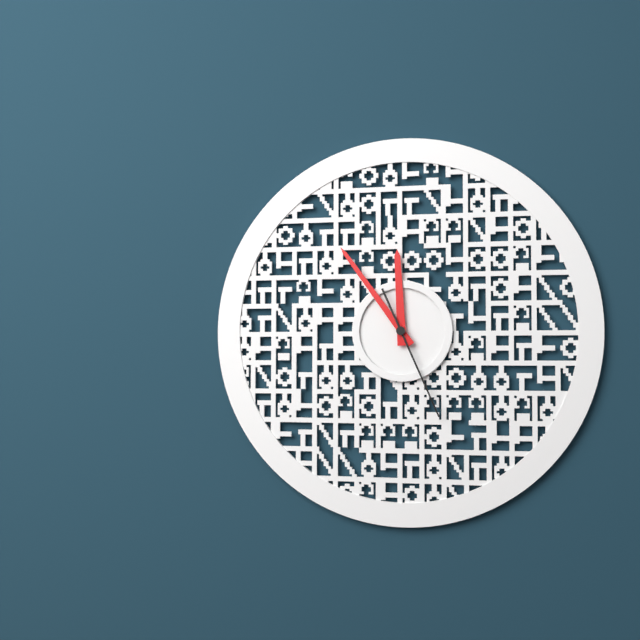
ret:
11:54:26
